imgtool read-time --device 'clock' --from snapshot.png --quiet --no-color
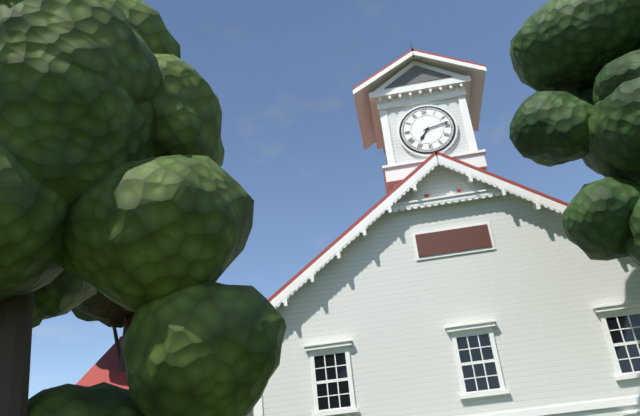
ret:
7:13
